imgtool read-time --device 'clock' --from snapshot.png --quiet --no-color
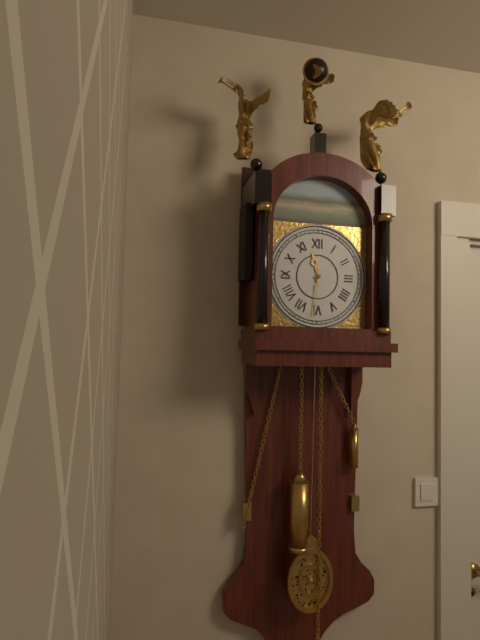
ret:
11:31
